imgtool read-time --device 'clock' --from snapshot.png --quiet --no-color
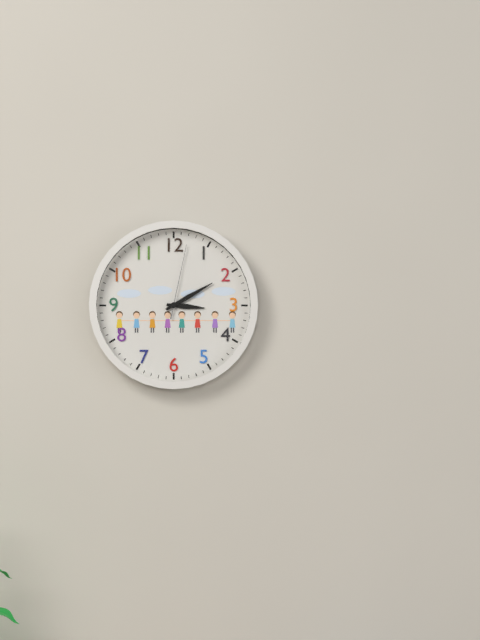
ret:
3:10:02
